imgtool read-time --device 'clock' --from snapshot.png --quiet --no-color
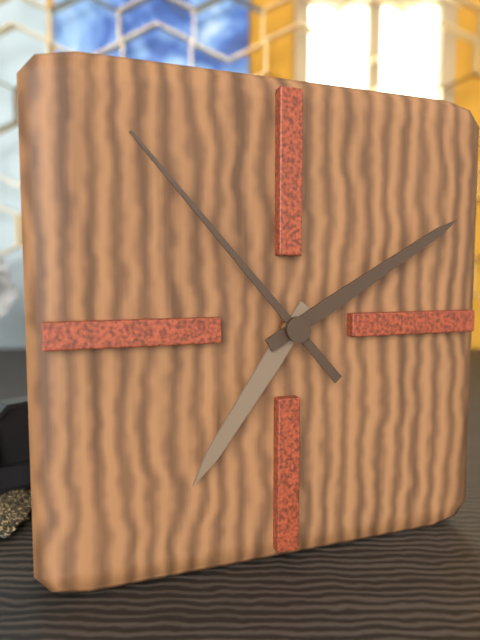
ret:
7:10:53
